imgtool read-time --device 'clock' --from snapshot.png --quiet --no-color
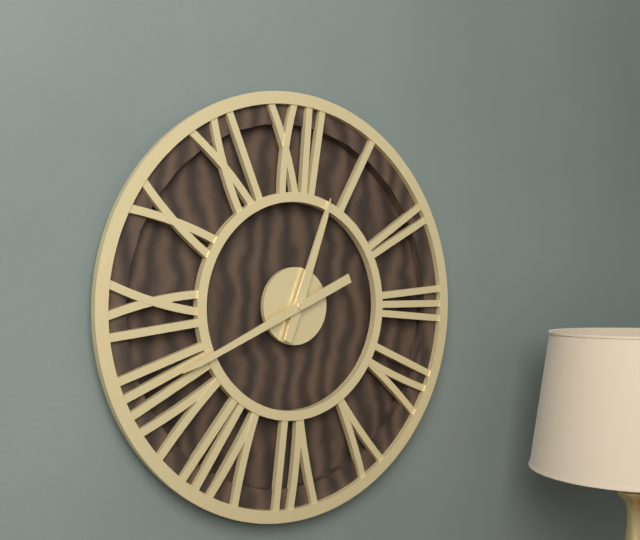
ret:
12:41
